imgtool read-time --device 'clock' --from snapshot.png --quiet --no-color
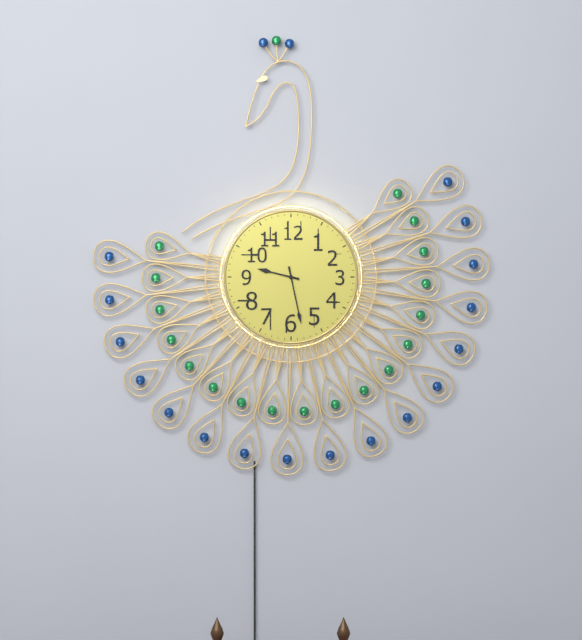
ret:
9:28
